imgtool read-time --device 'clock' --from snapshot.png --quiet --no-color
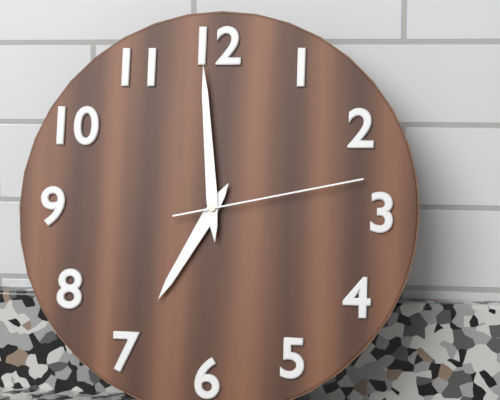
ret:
6:59:13
